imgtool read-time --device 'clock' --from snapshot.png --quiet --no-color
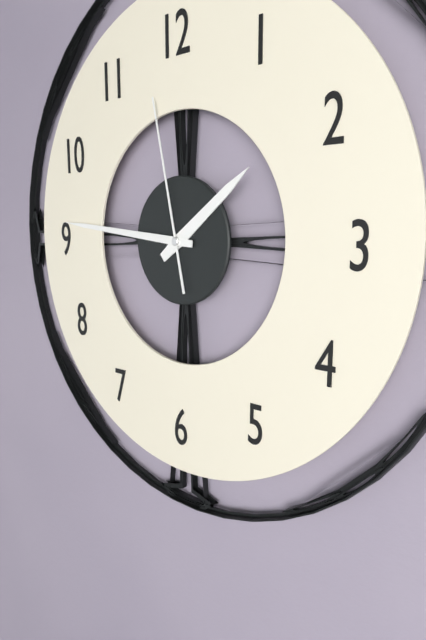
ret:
1:46:58
